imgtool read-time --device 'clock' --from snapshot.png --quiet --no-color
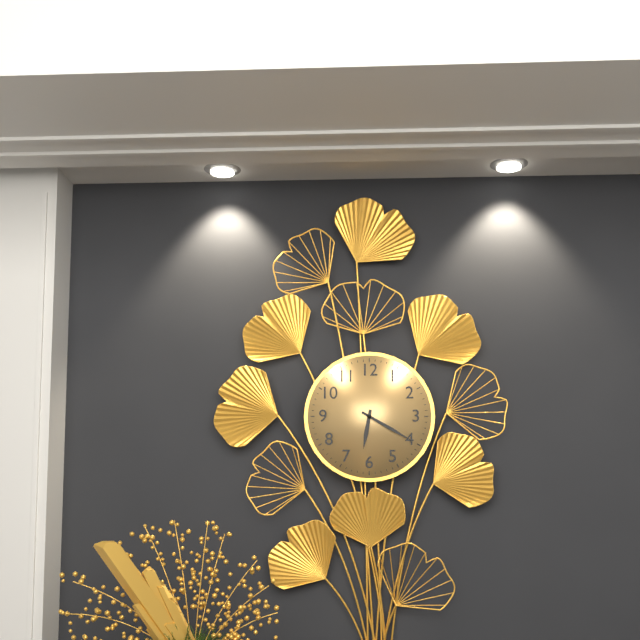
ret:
6:20
